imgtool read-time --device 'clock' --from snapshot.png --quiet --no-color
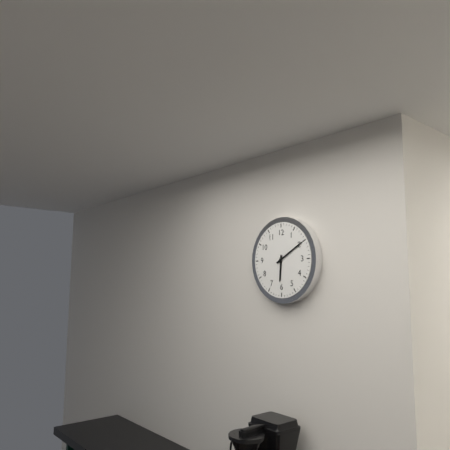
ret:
6:10
